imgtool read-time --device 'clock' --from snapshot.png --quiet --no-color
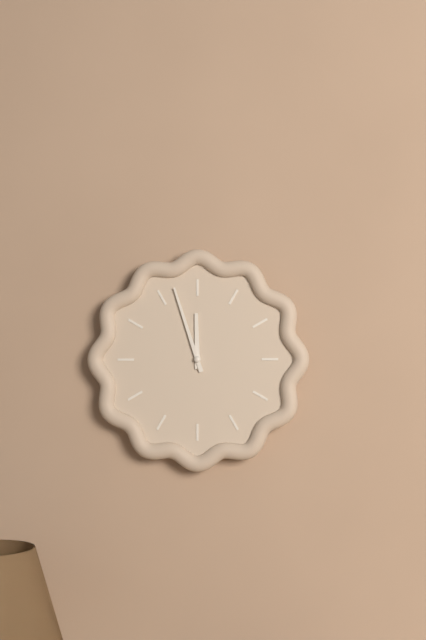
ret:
11:57
